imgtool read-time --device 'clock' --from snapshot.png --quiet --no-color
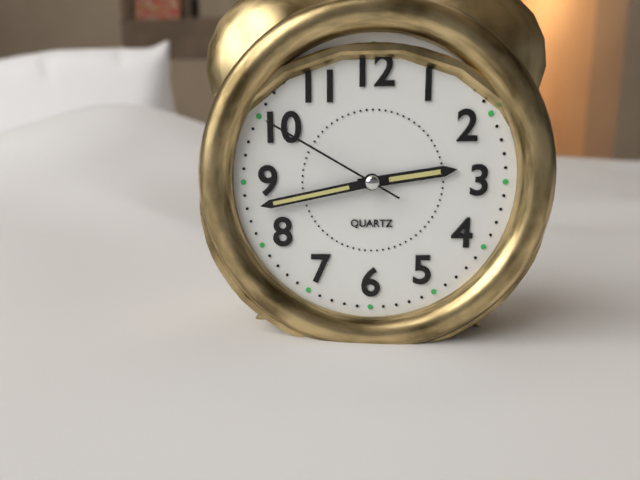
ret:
2:43:50
